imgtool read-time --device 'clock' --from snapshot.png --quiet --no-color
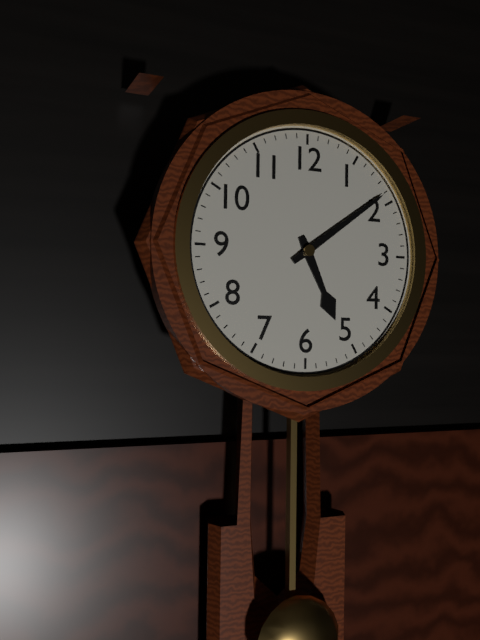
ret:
5:09
